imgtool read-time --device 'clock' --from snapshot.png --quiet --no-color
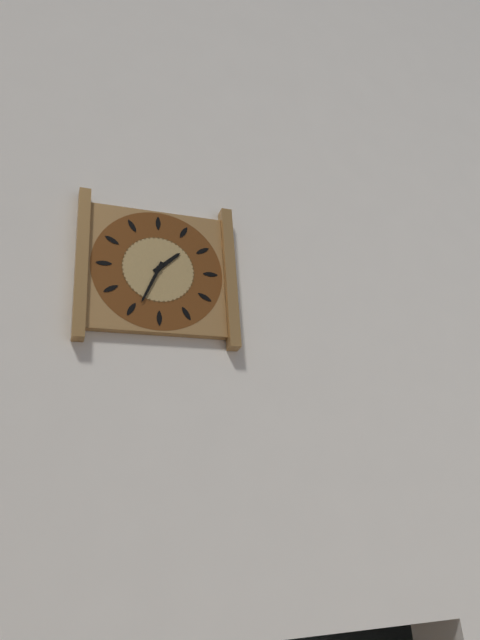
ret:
1:34
